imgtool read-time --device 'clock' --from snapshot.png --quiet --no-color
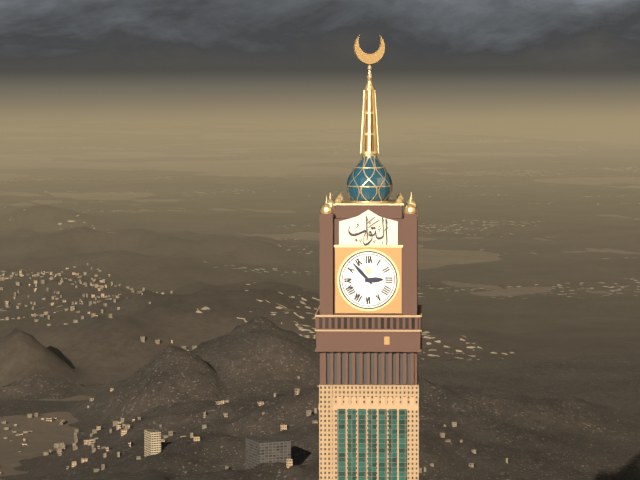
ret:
2:53
